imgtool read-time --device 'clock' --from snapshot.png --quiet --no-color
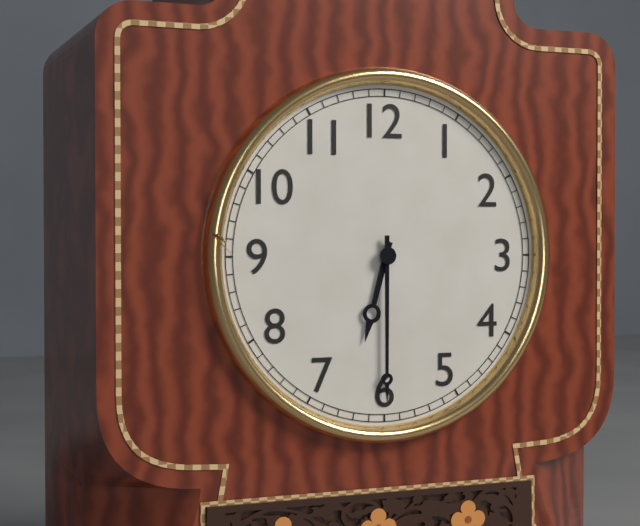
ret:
6:30
